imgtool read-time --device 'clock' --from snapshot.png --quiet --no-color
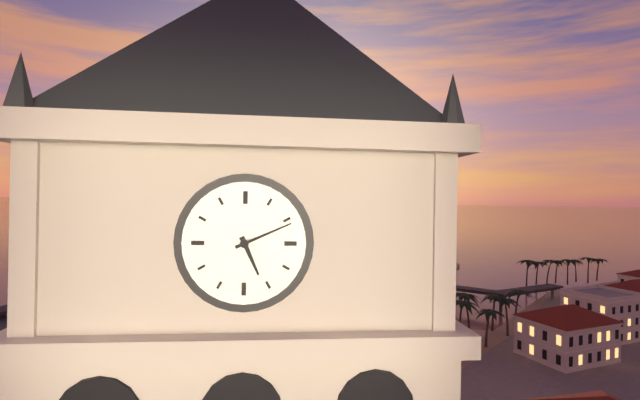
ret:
5:11
